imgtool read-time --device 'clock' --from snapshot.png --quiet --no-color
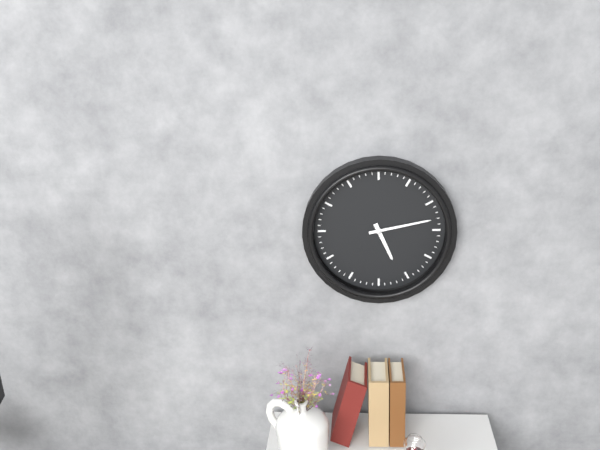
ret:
5:13
